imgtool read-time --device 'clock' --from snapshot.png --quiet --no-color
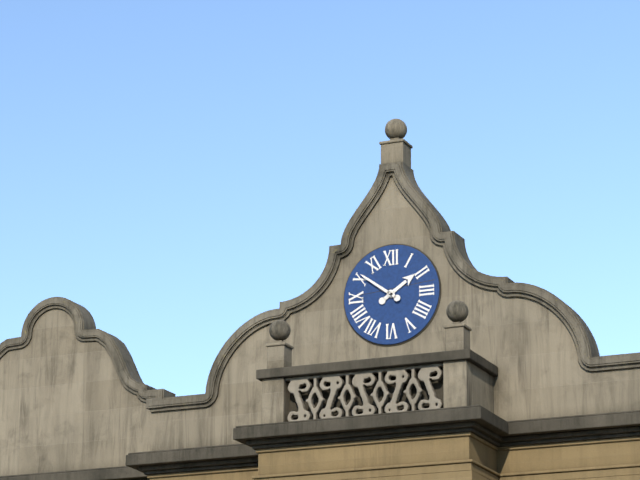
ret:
1:51
